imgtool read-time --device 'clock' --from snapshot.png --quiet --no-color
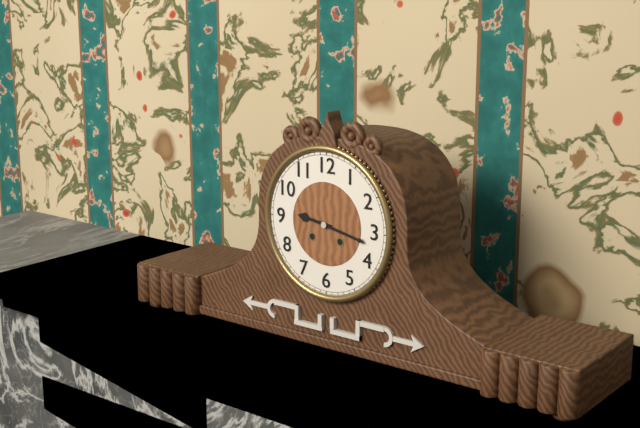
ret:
9:17
